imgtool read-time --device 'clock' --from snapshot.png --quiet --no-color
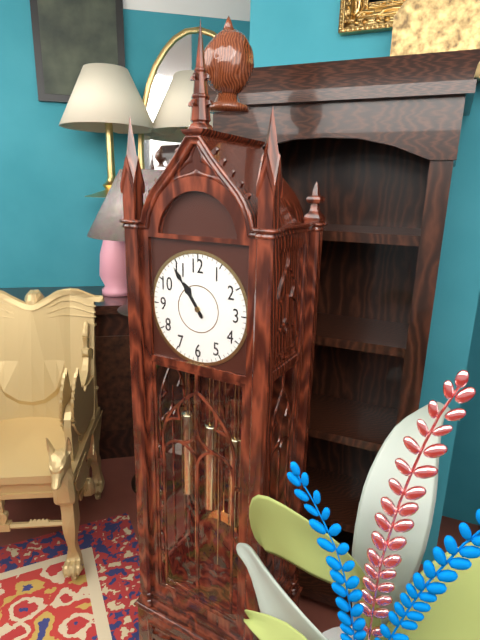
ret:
10:54
